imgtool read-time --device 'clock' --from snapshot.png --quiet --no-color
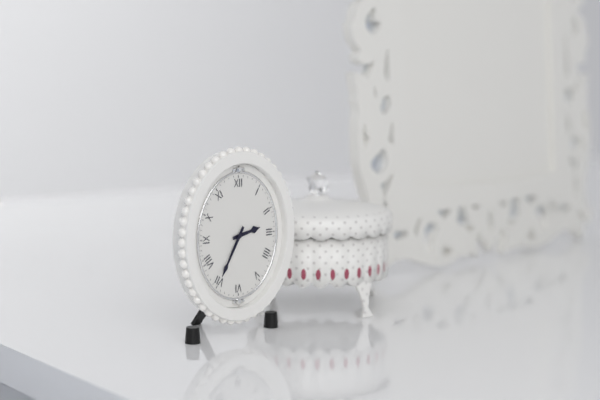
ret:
2:35
